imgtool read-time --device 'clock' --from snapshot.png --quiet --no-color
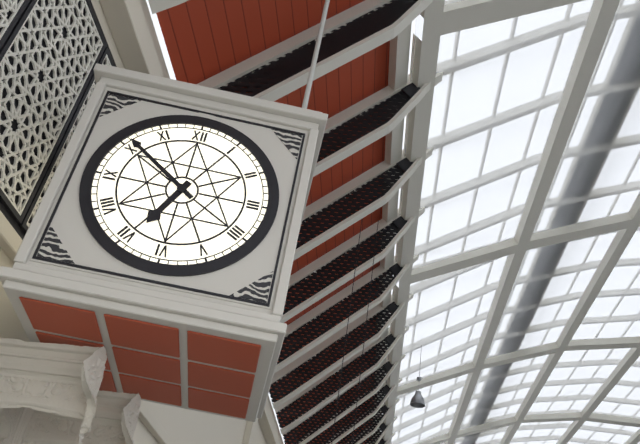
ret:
6:51
